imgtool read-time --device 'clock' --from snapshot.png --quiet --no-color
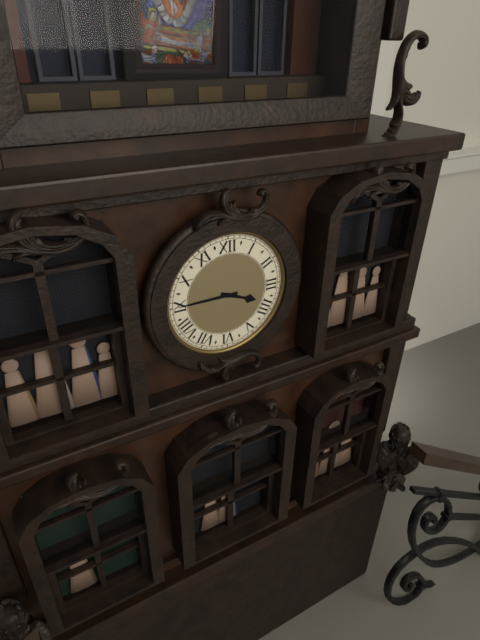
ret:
3:45
